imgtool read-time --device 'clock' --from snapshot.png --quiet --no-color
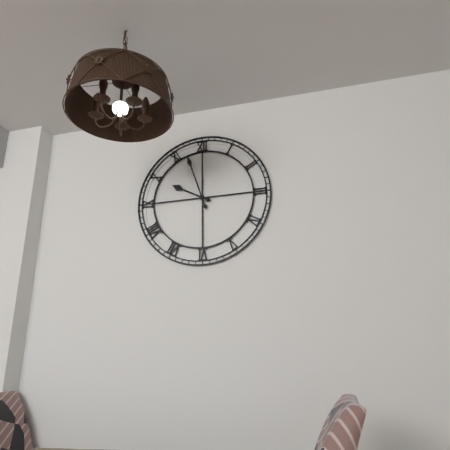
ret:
9:57
